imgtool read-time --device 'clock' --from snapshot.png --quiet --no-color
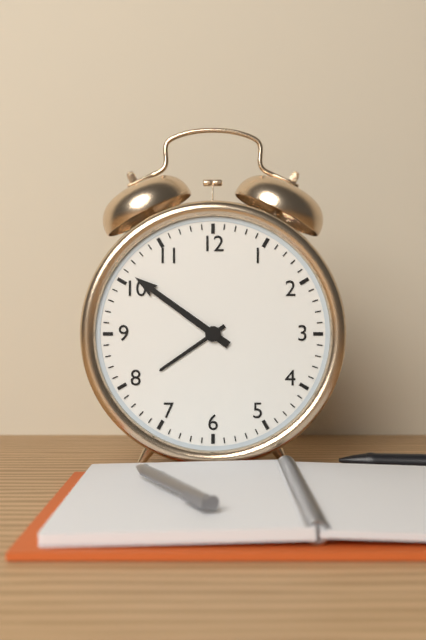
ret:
7:51
